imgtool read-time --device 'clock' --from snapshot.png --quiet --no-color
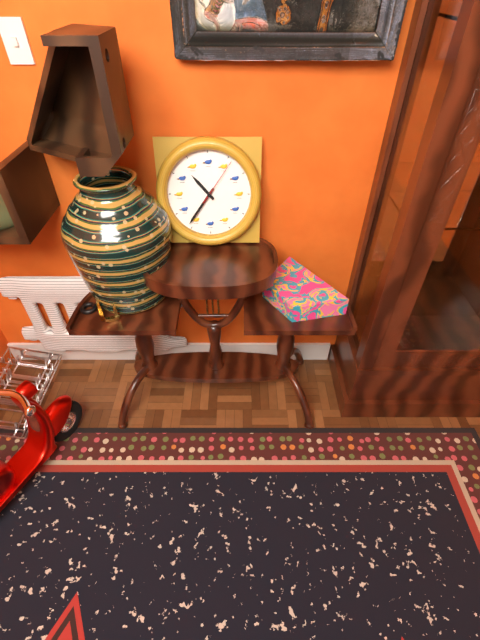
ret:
10:36:06
